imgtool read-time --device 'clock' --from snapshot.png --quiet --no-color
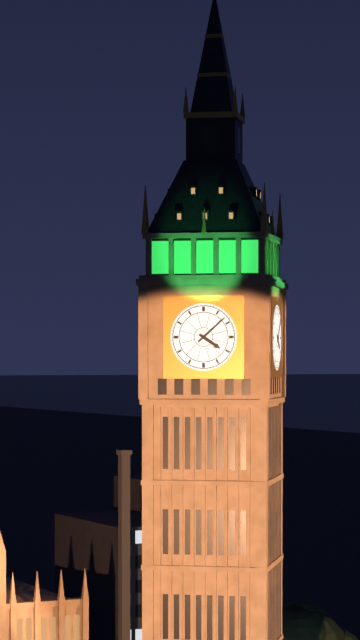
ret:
4:08
